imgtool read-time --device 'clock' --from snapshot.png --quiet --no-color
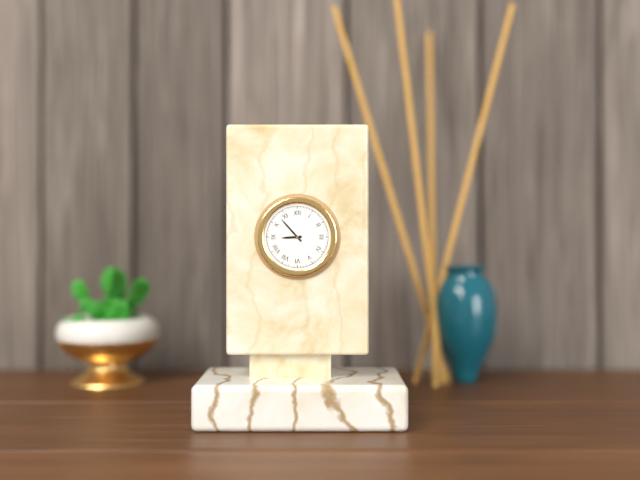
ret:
8:53
